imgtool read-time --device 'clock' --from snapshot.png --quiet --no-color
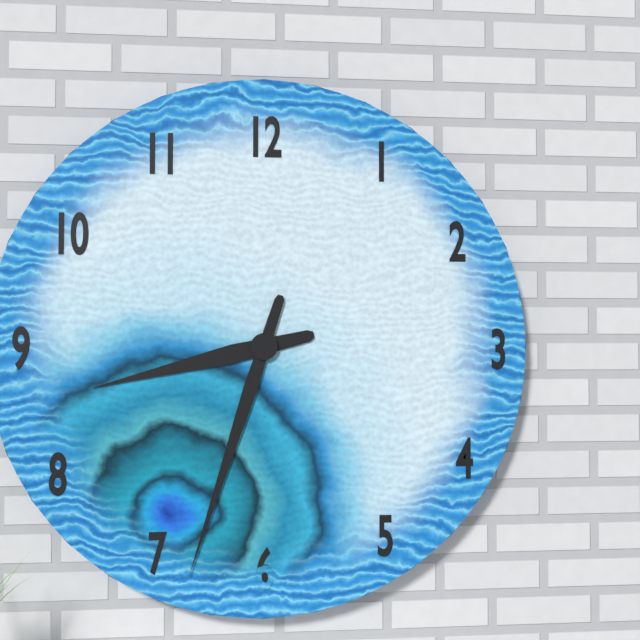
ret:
8:33
